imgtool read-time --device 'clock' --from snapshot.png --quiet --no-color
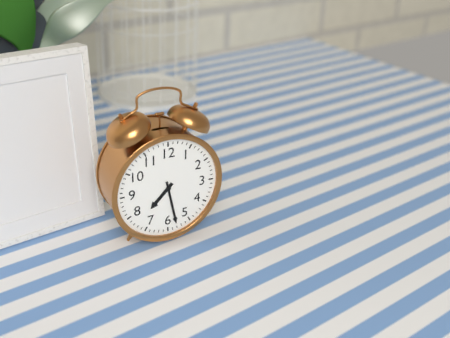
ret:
7:28
